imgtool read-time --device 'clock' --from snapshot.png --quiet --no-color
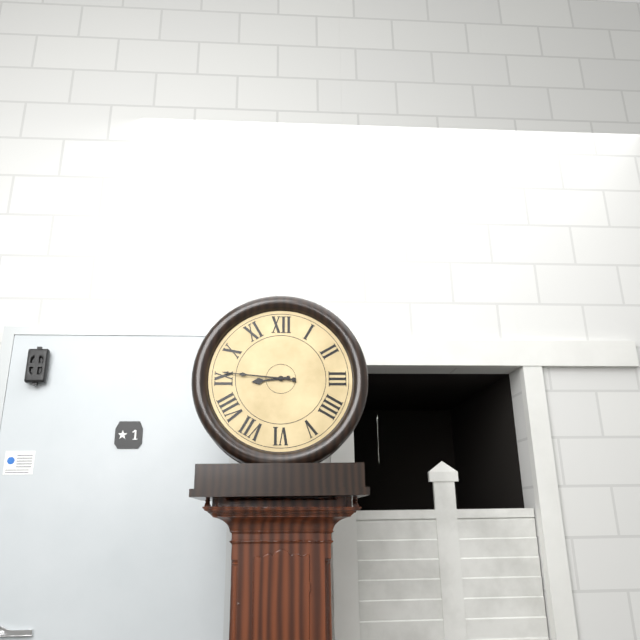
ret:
8:46
